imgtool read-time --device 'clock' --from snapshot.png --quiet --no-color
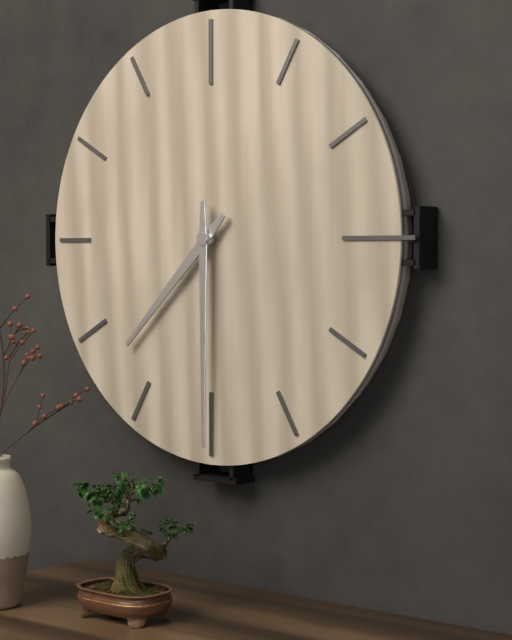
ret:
7:30
